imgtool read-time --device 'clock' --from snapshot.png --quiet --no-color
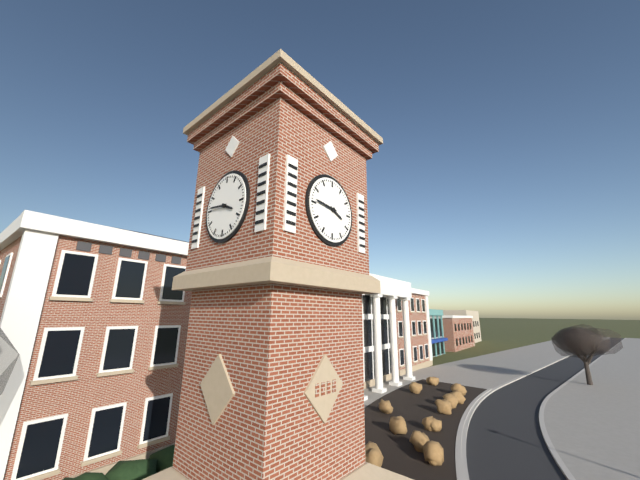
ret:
3:46
